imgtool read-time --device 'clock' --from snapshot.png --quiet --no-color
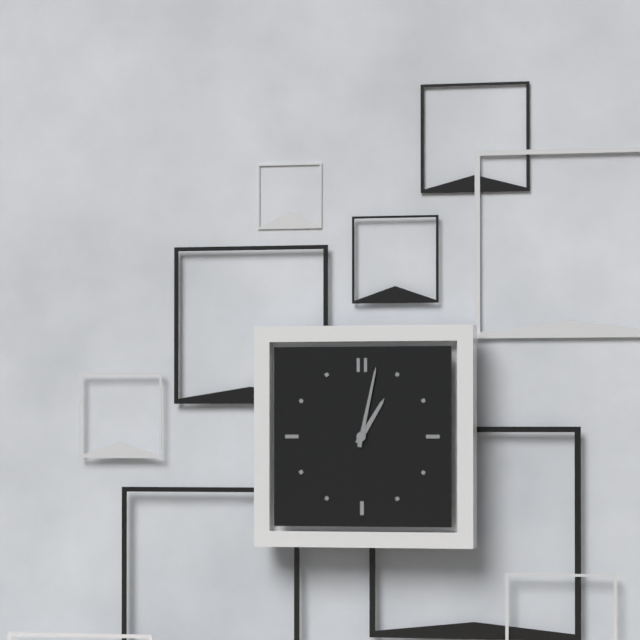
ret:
1:02
